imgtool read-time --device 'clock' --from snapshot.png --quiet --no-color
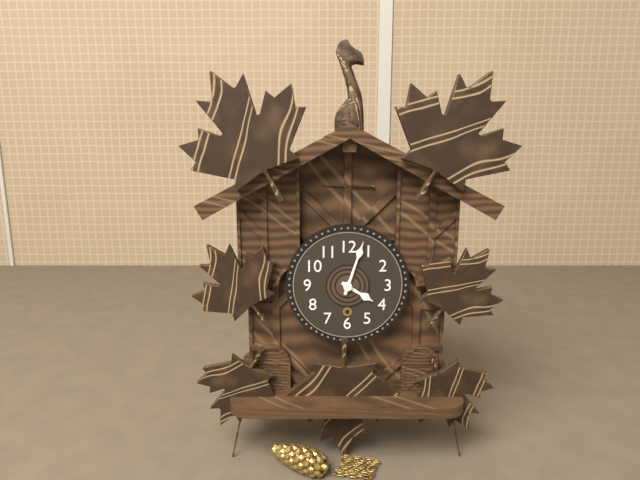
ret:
4:03
